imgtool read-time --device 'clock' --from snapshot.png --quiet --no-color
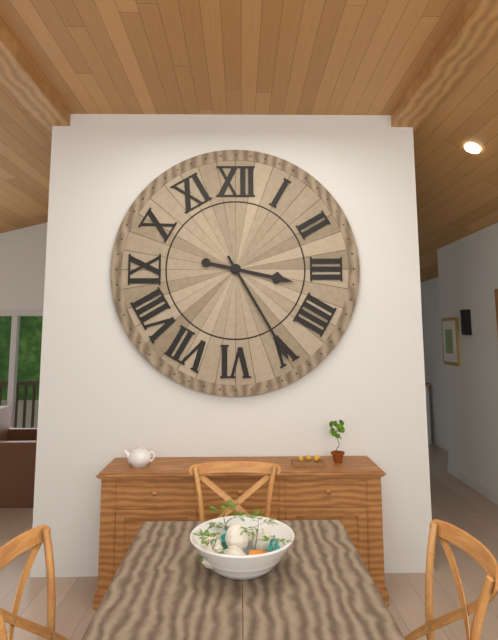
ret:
3:25
